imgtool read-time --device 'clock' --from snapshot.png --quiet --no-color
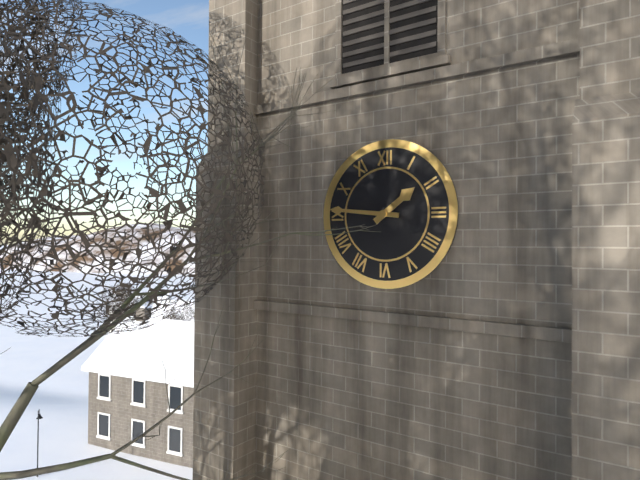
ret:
1:46
